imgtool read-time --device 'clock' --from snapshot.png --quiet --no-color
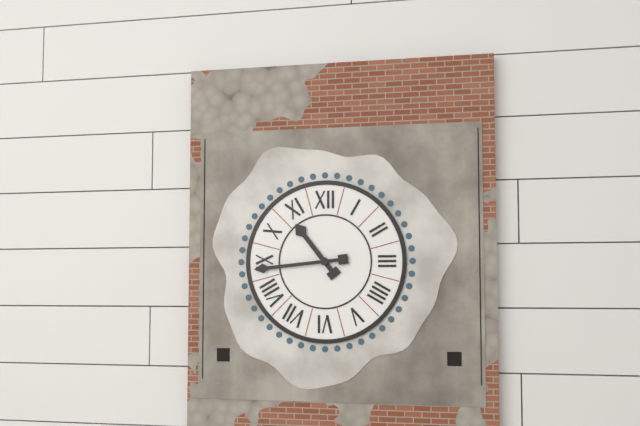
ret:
10:44
